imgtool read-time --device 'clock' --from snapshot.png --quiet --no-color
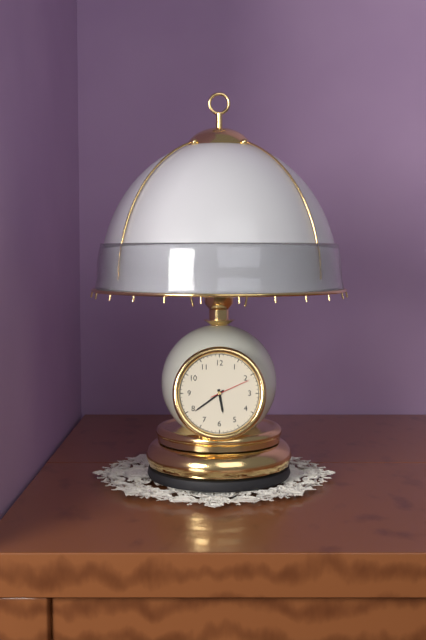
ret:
5:39
